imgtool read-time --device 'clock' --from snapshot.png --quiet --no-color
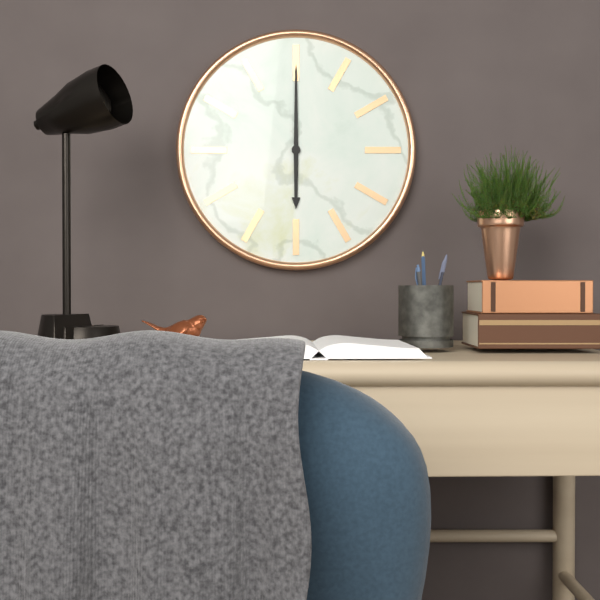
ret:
6:00
